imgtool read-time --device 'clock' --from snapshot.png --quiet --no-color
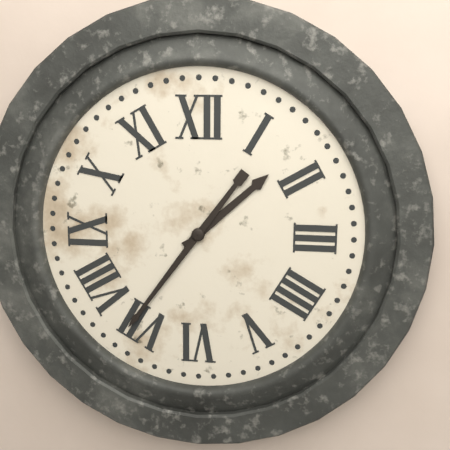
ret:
1:36
